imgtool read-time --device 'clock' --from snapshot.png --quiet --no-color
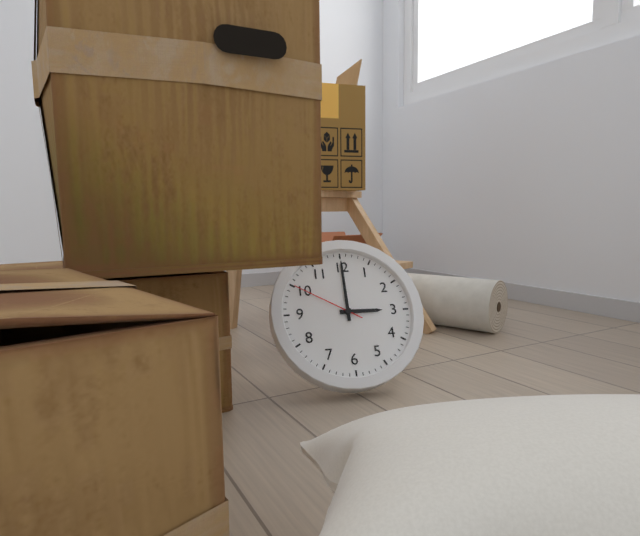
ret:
3:00:50
